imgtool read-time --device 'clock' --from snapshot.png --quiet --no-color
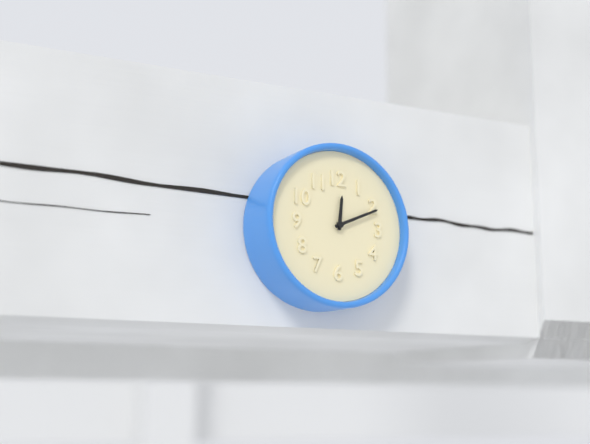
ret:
12:11
